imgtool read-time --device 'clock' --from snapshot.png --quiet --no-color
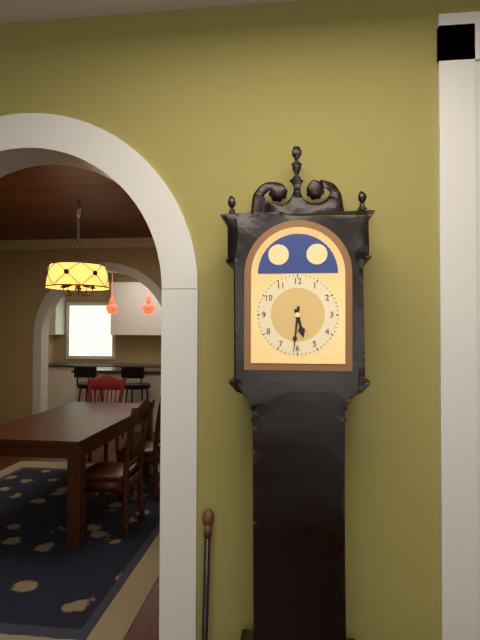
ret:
5:31
